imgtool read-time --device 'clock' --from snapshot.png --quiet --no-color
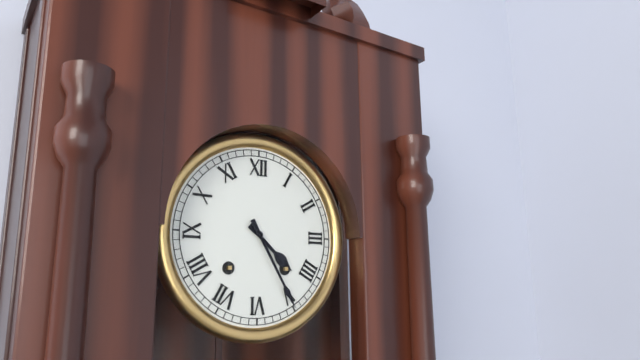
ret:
4:25
